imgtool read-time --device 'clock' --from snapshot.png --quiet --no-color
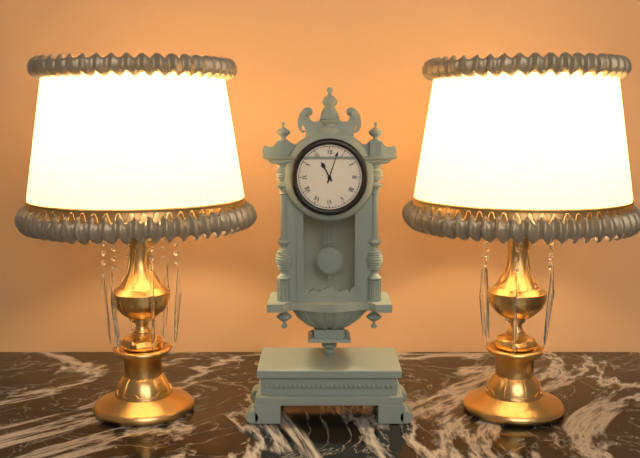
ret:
11:03
